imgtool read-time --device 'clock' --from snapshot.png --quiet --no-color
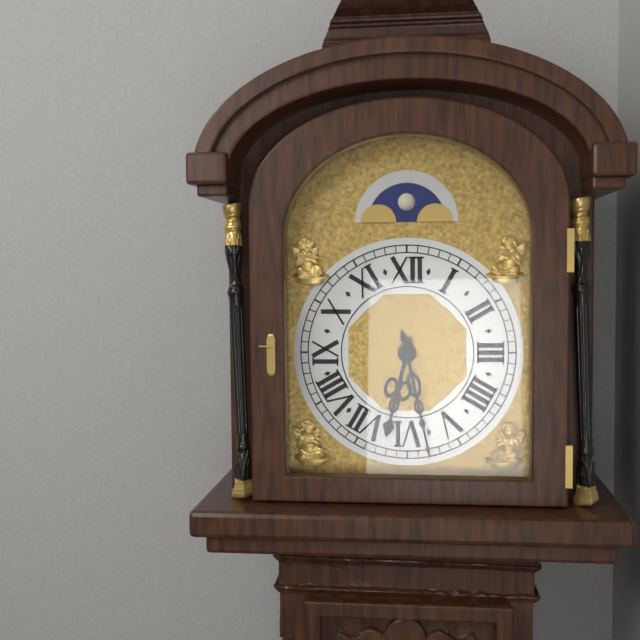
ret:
6:28
